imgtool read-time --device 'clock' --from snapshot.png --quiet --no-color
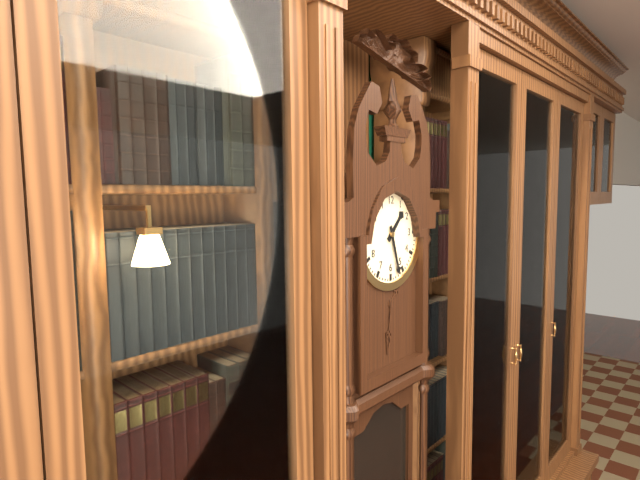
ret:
1:27
